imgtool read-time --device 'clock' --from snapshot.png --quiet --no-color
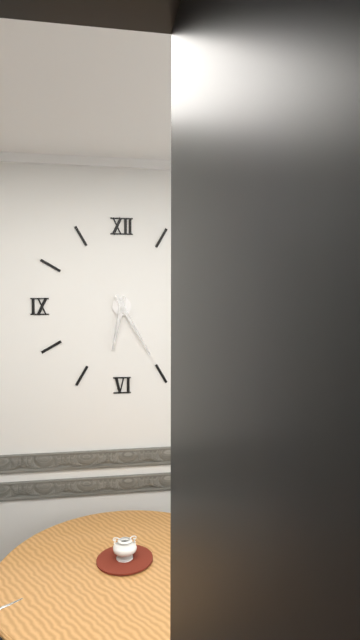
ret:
6:25
